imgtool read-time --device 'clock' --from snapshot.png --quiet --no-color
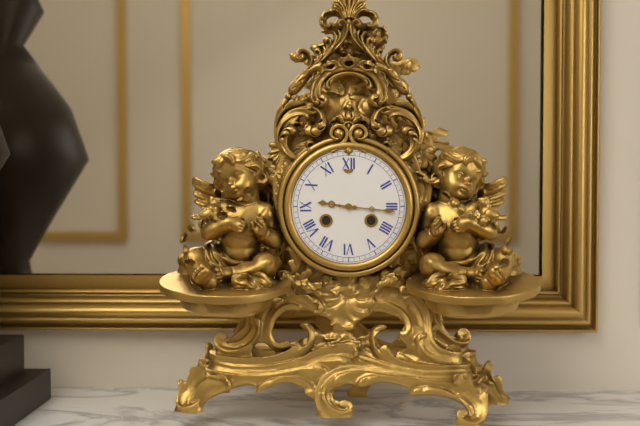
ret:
9:16
